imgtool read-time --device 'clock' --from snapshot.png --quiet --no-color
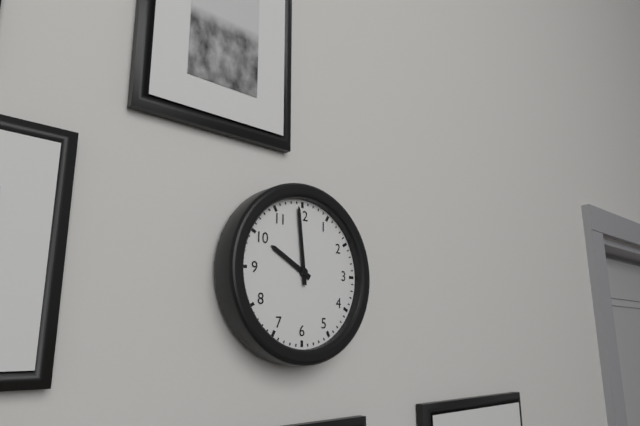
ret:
9:59
